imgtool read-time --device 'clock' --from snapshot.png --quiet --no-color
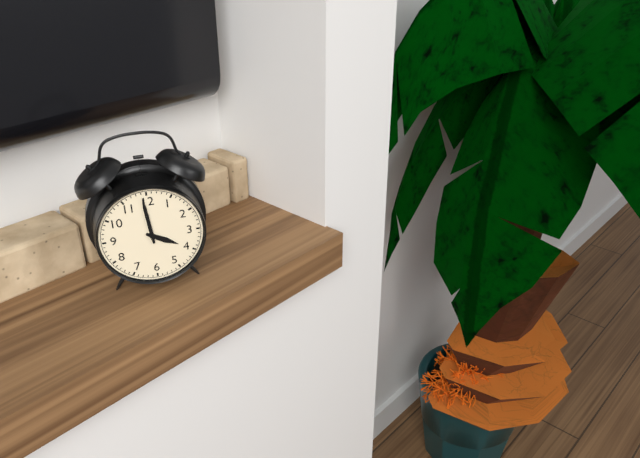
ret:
3:59
